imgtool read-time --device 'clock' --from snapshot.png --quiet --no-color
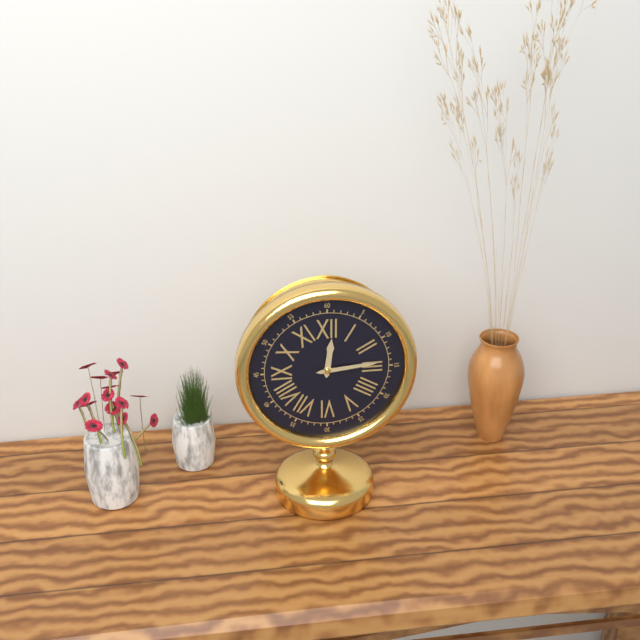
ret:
12:14
